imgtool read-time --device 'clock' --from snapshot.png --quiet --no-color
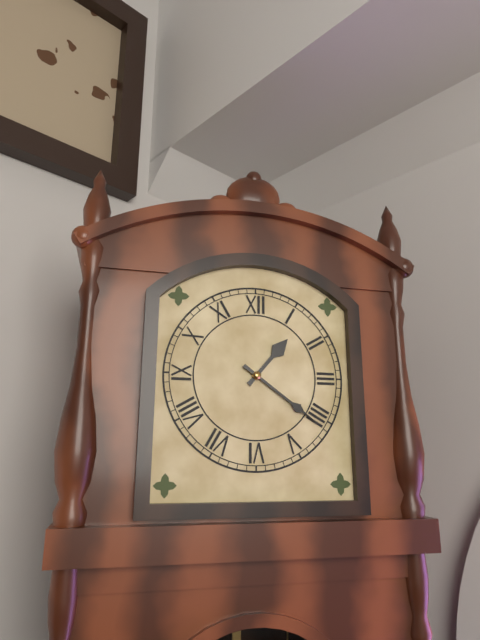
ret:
1:21
